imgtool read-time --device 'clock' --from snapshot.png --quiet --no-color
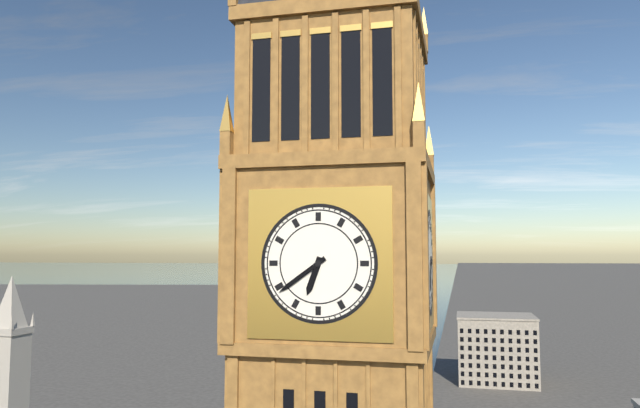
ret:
6:39
